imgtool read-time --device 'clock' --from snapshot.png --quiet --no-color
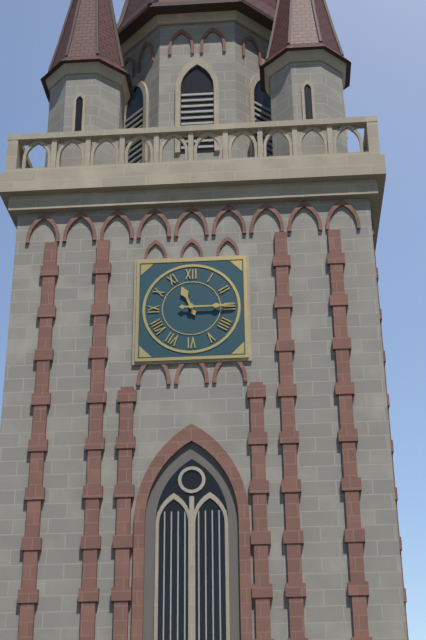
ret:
11:15
